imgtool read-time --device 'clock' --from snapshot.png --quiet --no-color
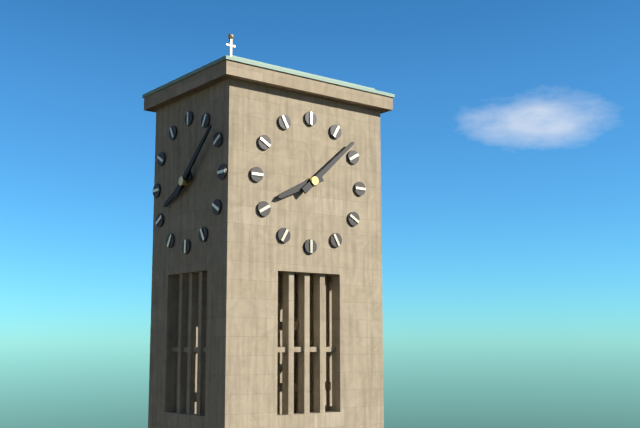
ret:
8:08
